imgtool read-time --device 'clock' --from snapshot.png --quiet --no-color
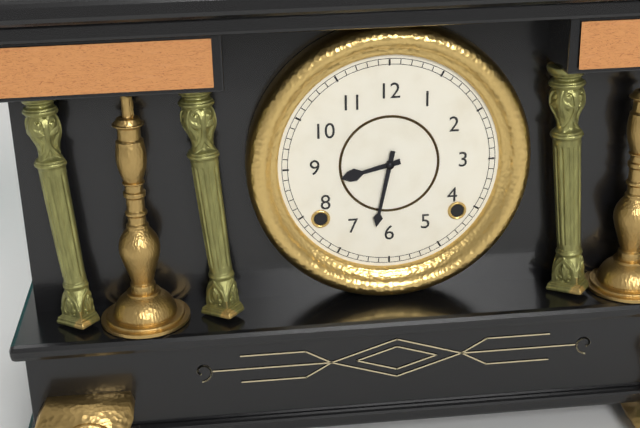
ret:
8:32
